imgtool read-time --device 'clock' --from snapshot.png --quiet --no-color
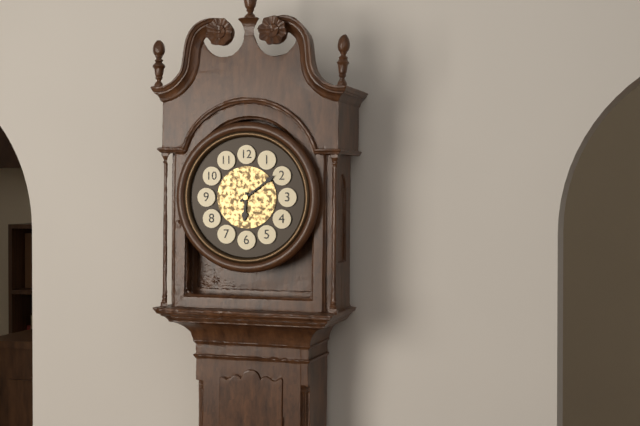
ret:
6:09
